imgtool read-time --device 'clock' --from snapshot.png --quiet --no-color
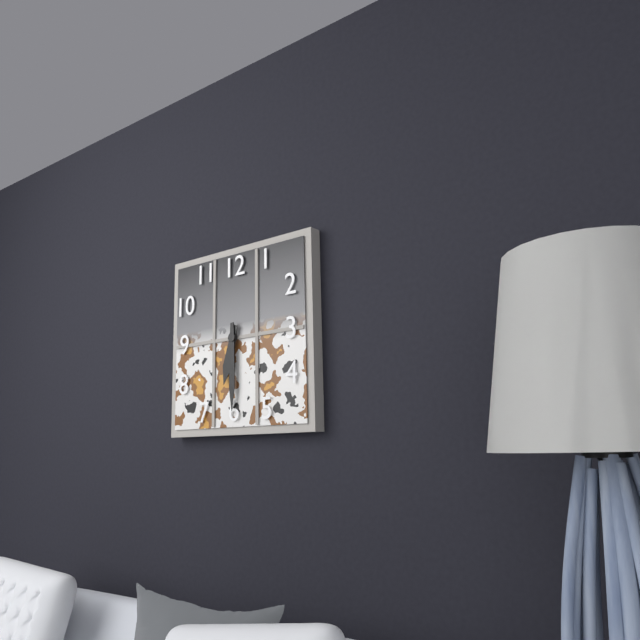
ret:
6:30
